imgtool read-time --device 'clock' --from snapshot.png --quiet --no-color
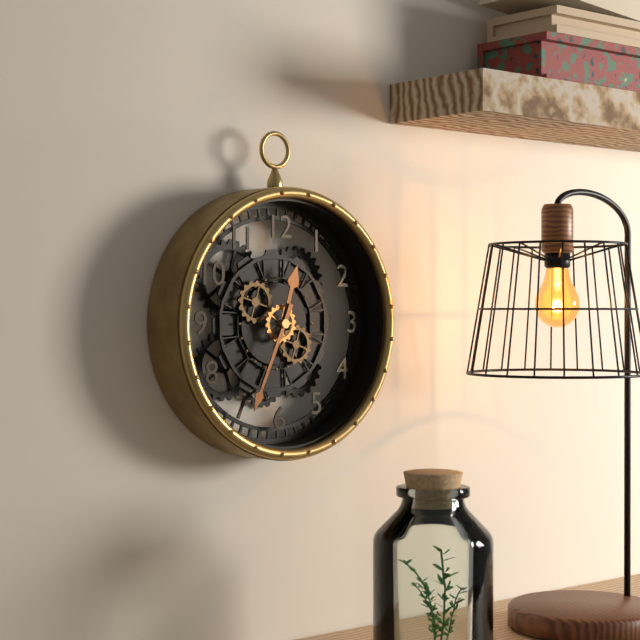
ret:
12:34
